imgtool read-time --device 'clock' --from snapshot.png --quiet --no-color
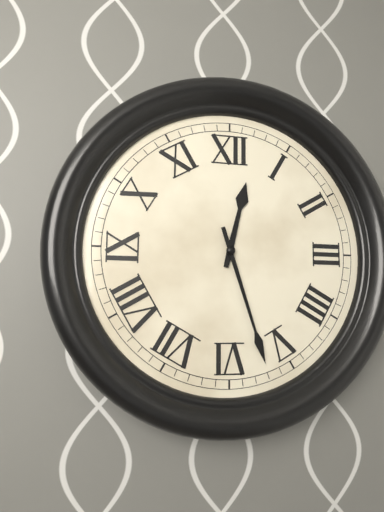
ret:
12:27
